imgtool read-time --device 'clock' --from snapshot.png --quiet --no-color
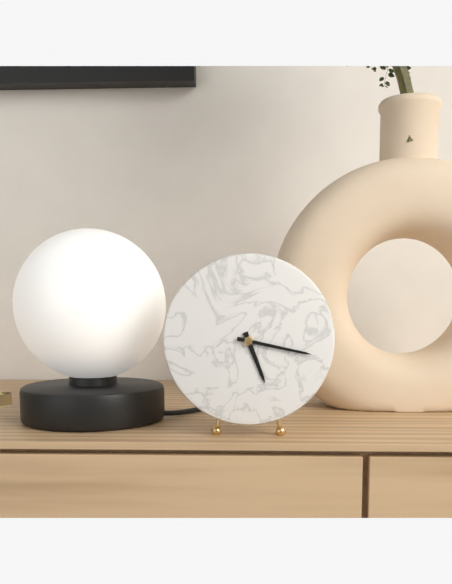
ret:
5:17
